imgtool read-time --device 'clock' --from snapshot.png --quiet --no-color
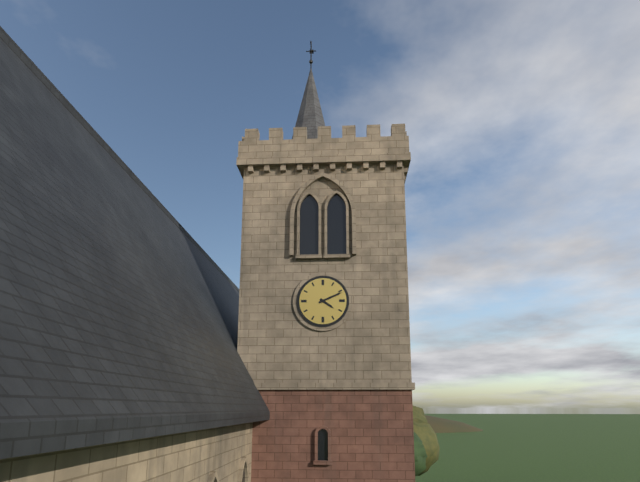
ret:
4:11
